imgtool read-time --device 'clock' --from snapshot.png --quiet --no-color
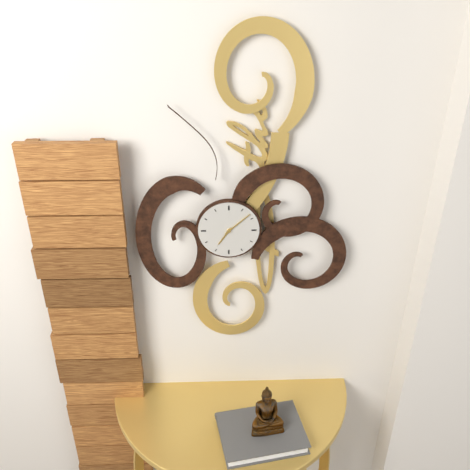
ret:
7:08
